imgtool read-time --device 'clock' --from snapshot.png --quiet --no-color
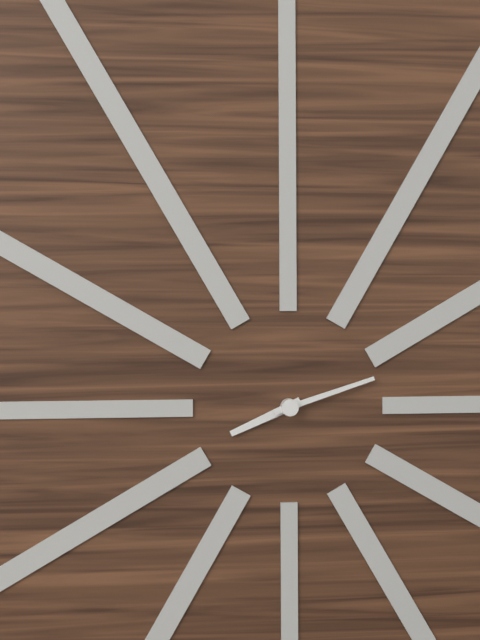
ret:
8:12
